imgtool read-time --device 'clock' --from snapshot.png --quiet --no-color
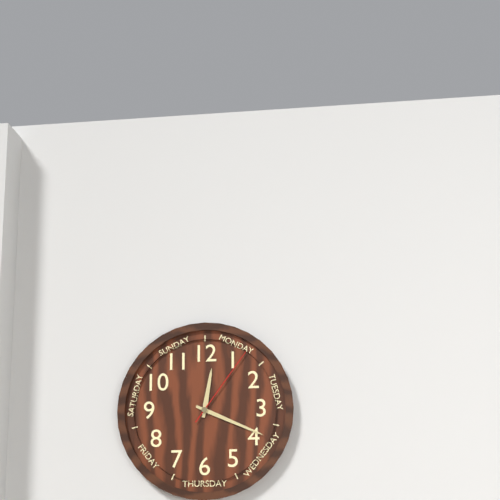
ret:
12:19:06
